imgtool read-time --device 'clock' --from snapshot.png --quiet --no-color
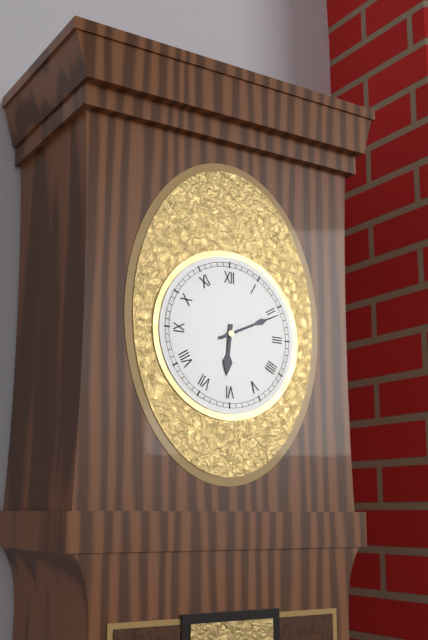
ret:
6:11
